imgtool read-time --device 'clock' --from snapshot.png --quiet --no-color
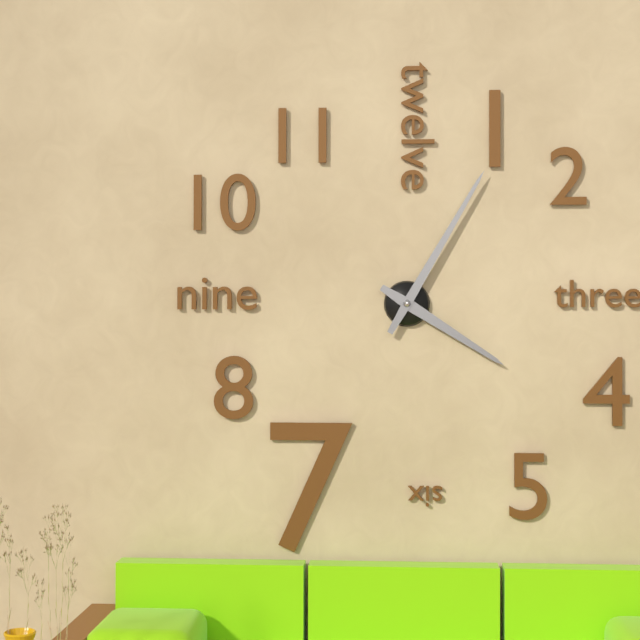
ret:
4:05
